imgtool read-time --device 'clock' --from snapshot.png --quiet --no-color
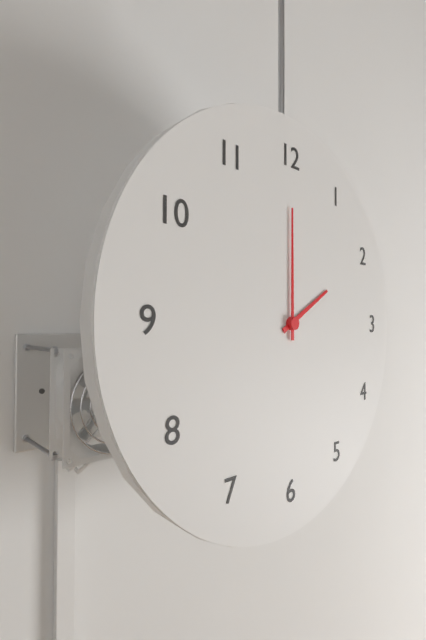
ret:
2:00
